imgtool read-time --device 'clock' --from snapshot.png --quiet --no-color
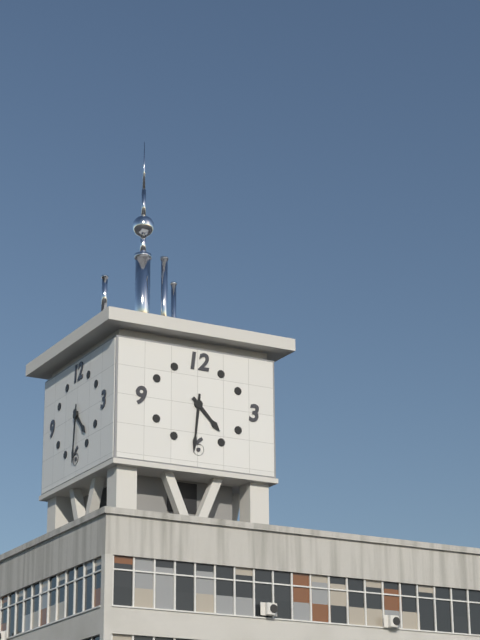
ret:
4:31
